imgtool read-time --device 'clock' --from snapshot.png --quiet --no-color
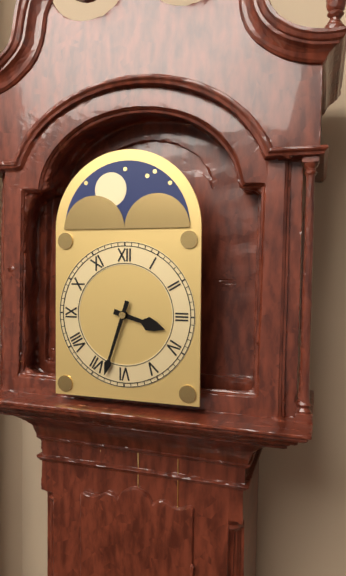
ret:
3:33
